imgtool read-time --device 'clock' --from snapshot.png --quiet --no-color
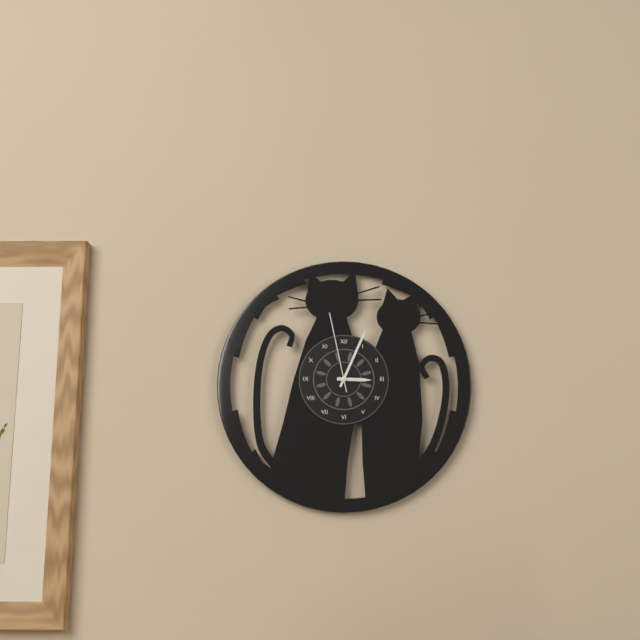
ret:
3:04:58
